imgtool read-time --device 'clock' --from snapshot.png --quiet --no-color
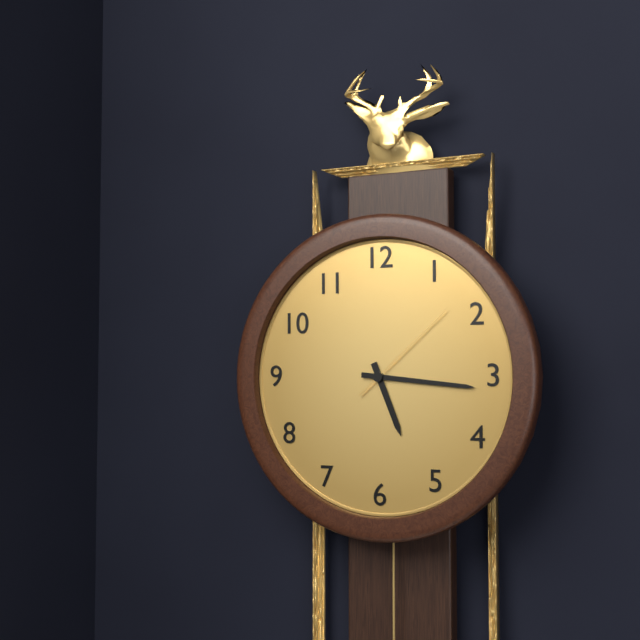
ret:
5:16:08
